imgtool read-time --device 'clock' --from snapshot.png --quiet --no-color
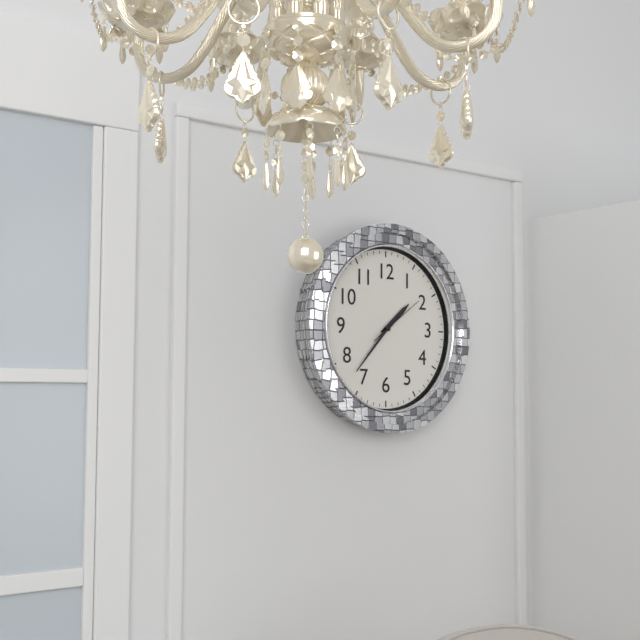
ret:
1:37:09
